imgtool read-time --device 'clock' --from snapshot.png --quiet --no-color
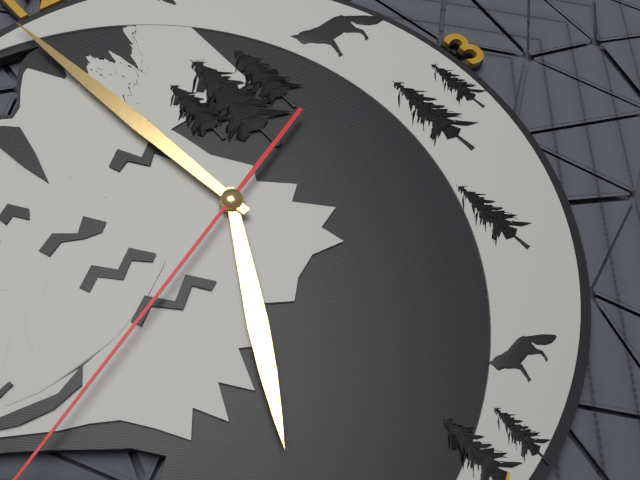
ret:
6:59
